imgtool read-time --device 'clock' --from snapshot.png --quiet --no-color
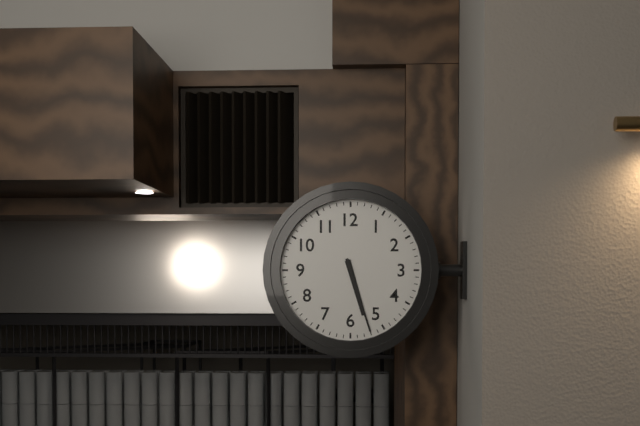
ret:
5:27
